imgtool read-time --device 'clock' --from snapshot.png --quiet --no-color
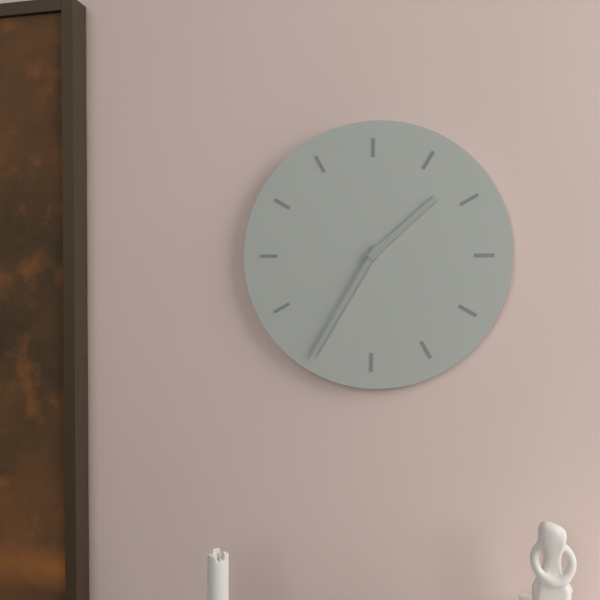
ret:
1:35
